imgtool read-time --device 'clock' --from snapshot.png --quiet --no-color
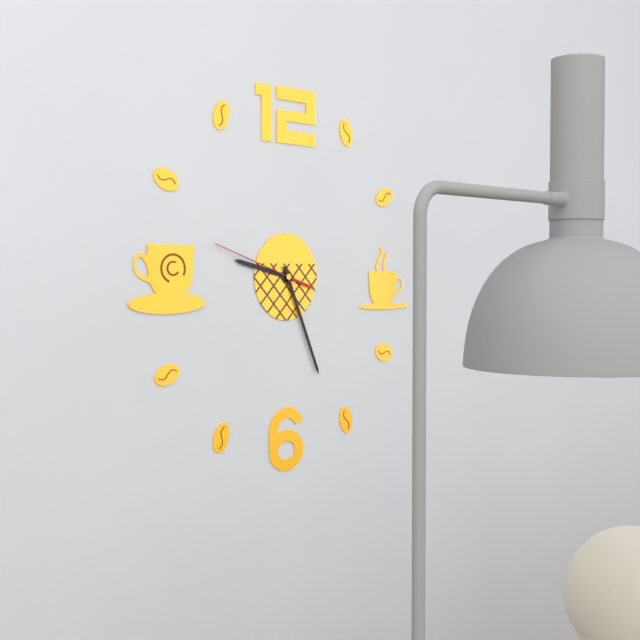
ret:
9:26:48
